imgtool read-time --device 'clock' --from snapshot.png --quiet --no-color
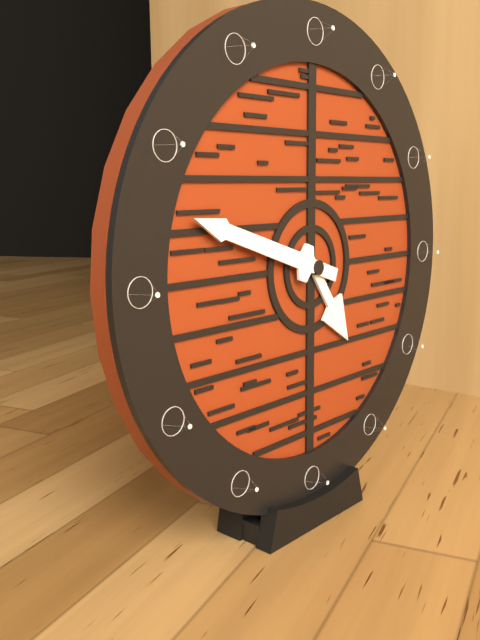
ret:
4:48
